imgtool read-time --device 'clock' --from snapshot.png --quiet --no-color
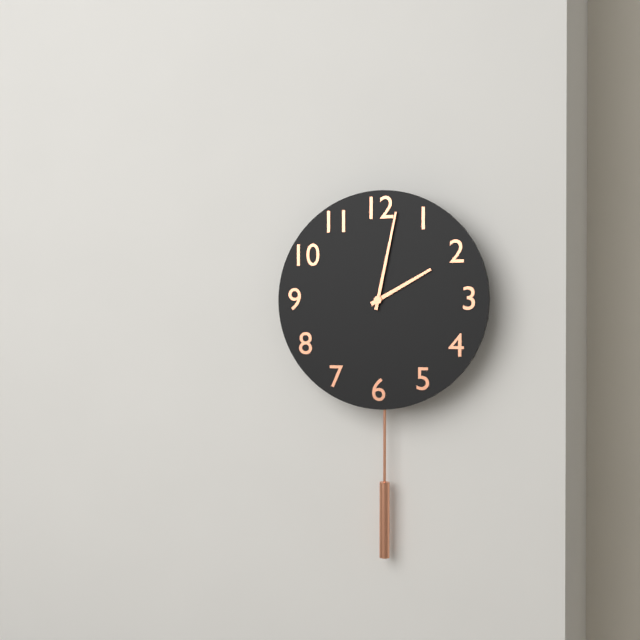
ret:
2:02
